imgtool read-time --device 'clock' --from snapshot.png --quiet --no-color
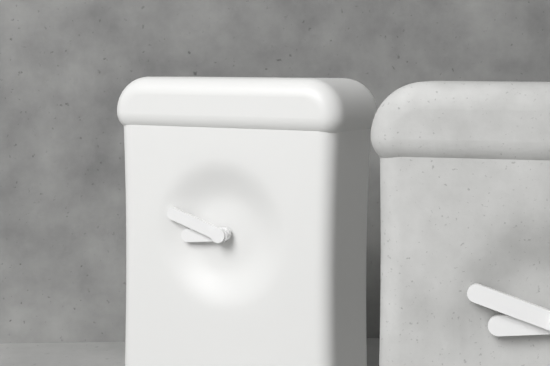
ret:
8:48
